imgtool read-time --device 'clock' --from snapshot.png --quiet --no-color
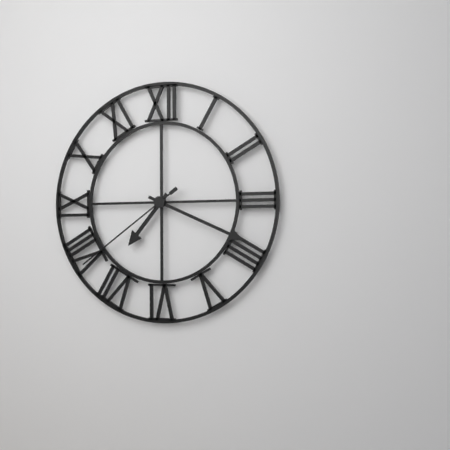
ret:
7:19:39
